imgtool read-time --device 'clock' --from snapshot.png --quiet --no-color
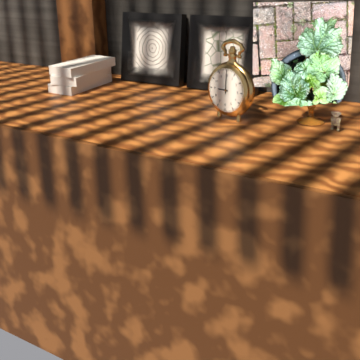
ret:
9:00
